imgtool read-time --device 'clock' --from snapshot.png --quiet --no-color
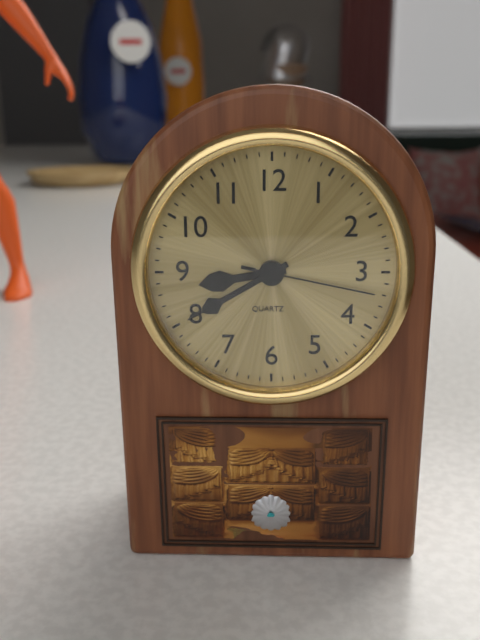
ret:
8:40:17
